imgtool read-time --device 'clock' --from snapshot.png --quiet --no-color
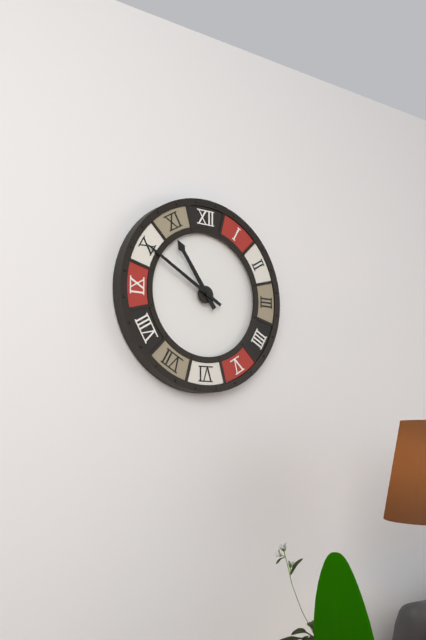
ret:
10:50
